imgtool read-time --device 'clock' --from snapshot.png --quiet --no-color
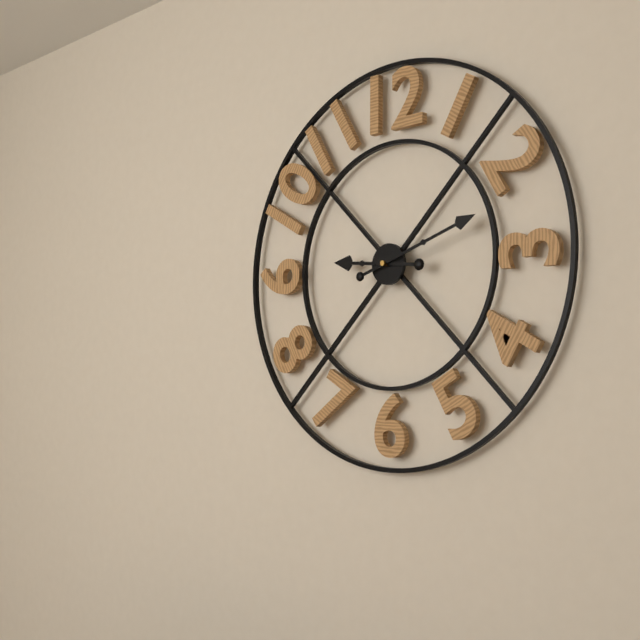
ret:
9:12
